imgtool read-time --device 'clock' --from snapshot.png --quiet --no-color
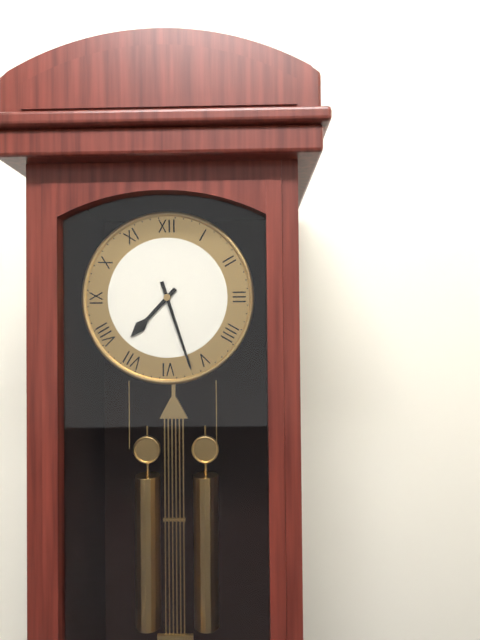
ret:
7:27
